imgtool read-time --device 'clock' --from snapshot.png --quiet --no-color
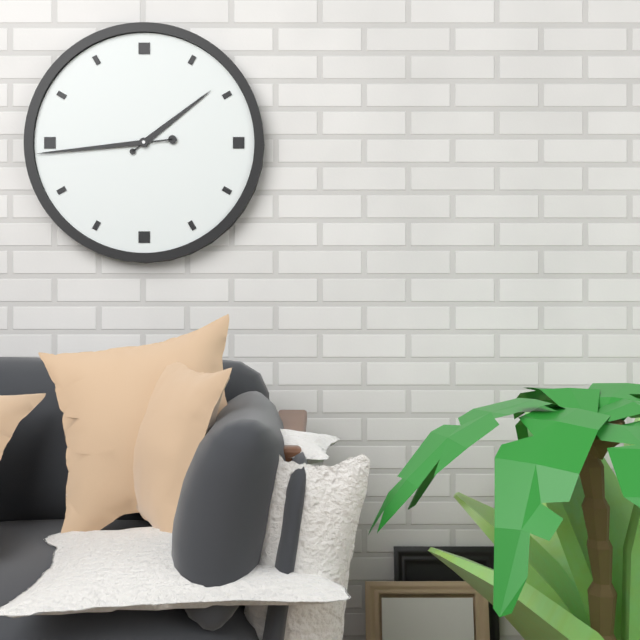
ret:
1:44
